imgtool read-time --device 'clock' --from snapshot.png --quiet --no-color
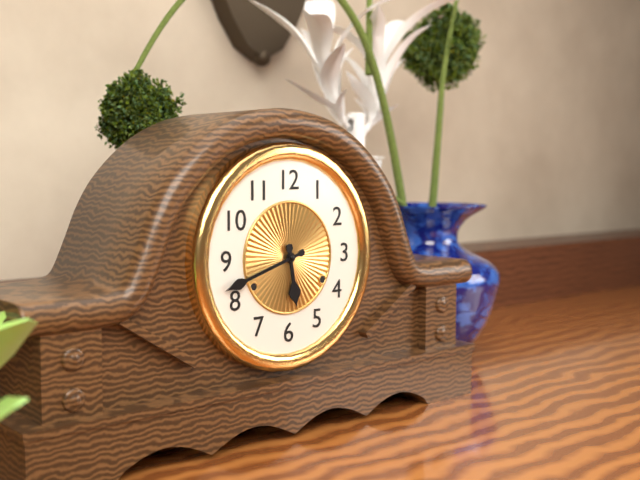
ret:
5:42
